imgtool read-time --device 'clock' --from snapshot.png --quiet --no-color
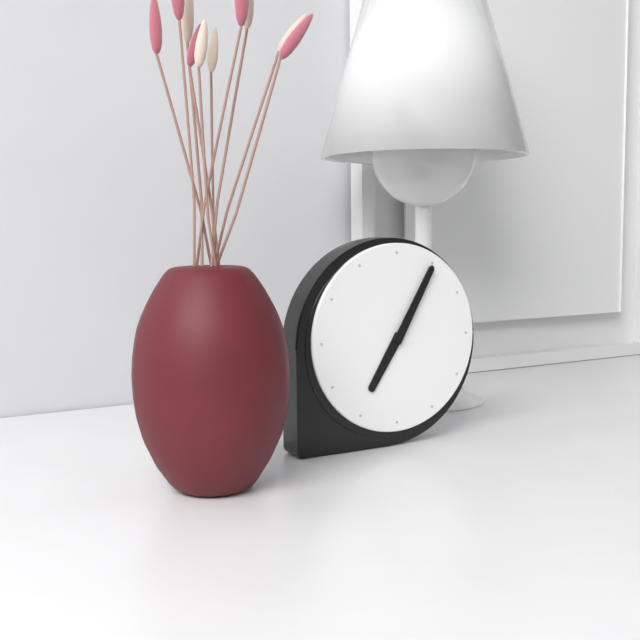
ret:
7:05
